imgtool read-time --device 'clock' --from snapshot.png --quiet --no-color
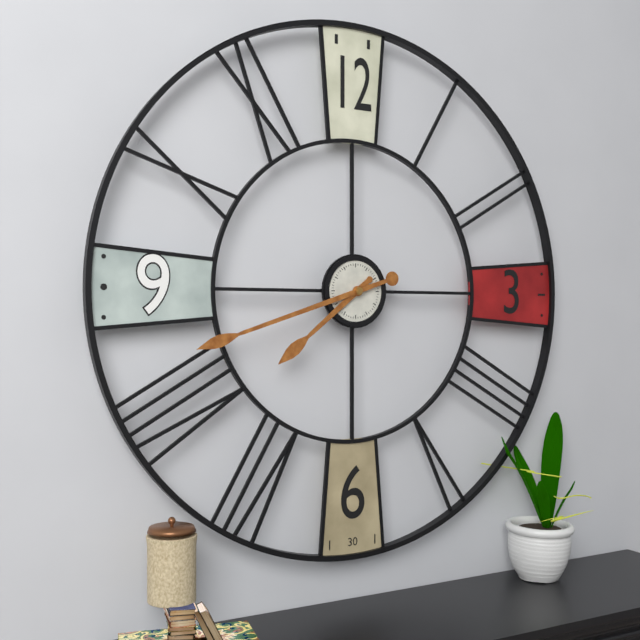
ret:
7:42
